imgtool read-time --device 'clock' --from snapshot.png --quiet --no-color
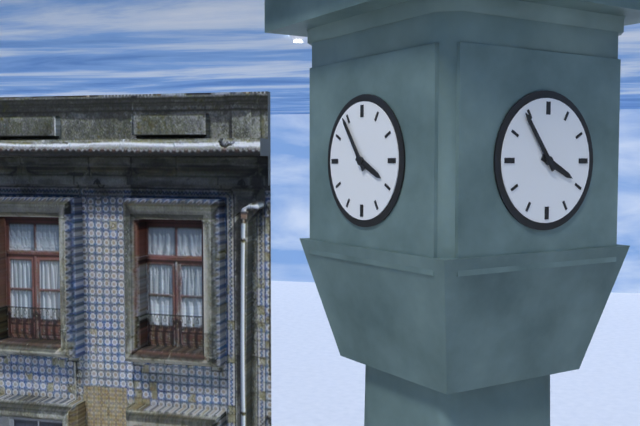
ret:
3:54
